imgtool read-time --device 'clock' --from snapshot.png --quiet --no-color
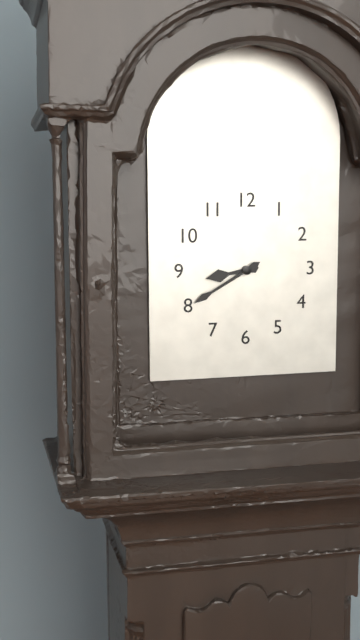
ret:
8:40
